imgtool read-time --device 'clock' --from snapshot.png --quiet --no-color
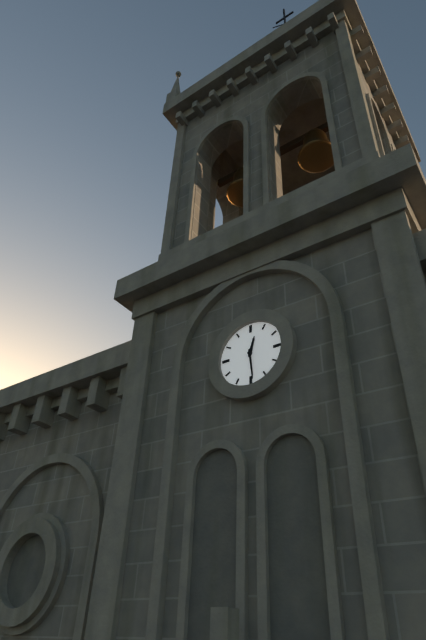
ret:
12:29
